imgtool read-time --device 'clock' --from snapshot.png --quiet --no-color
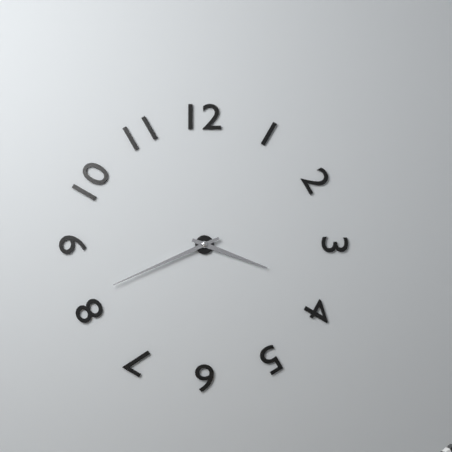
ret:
3:41
